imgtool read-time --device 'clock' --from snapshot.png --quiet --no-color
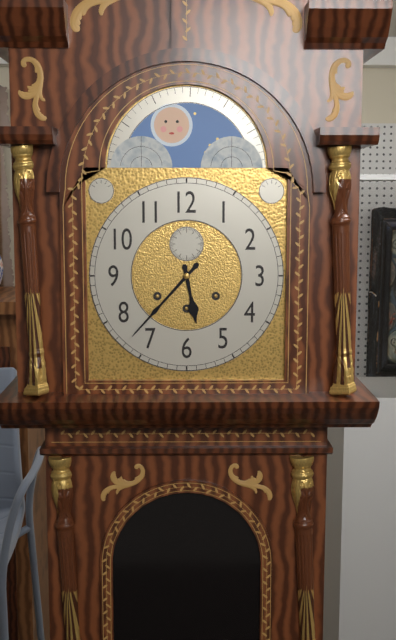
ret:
5:37
